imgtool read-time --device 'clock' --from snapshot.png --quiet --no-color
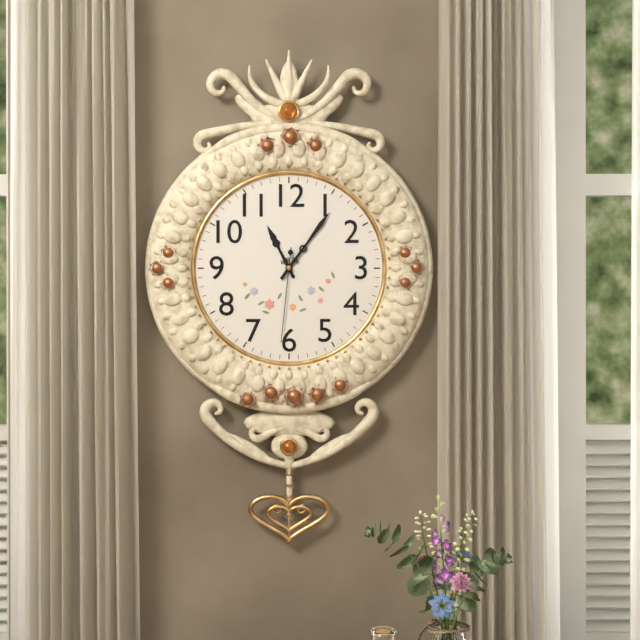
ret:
11:06:31
